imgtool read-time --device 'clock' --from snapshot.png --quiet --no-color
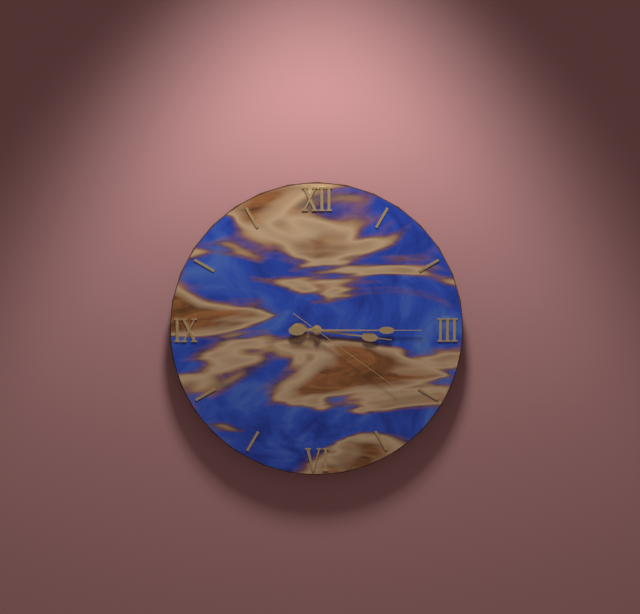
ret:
3:15:21
